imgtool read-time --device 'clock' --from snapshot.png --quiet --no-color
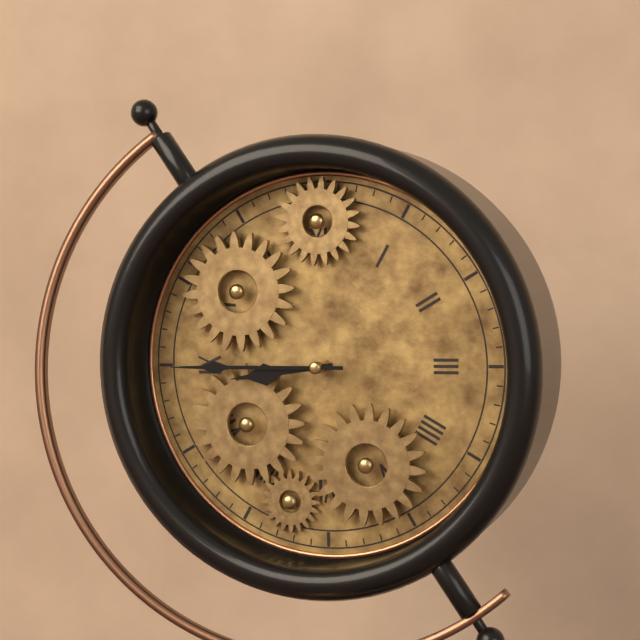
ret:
8:45
